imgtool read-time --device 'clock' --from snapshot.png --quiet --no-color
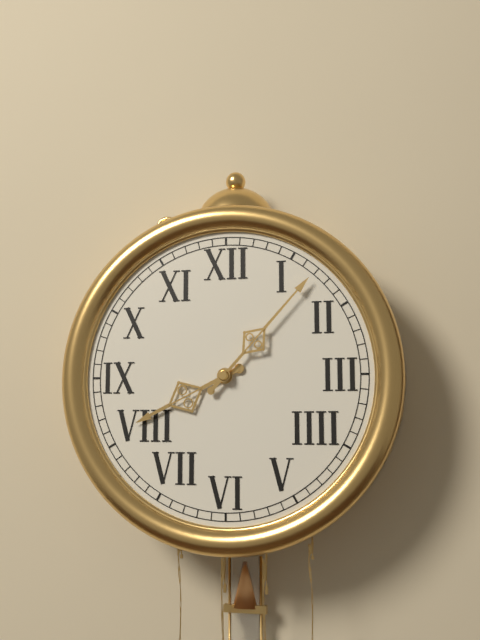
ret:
8:07
